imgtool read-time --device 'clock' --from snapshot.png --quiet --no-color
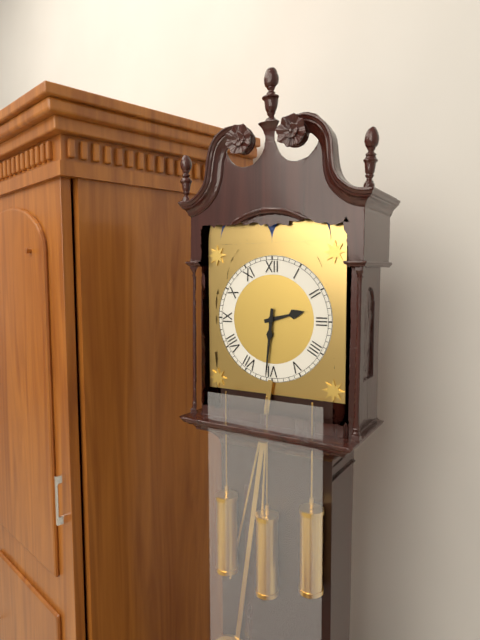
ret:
2:31
